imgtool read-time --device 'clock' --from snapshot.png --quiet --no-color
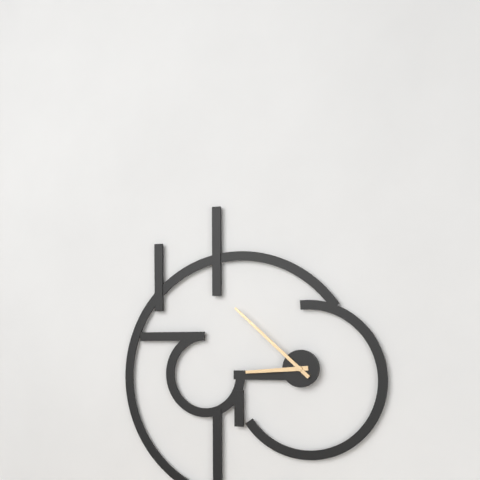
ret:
8:52
